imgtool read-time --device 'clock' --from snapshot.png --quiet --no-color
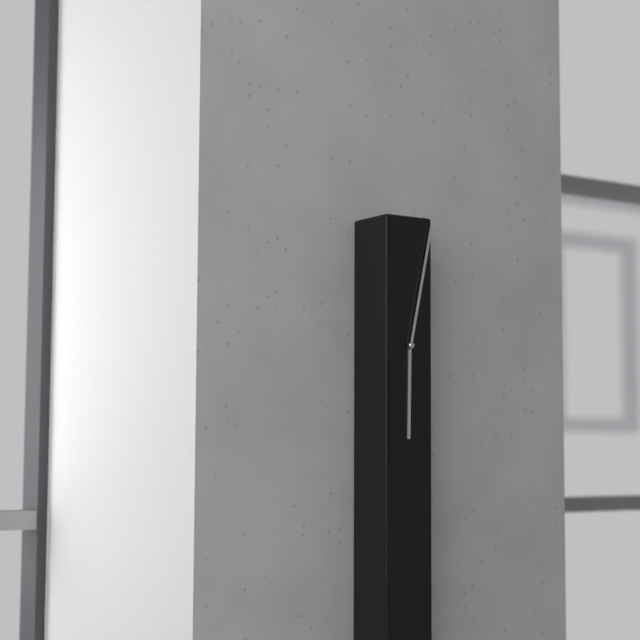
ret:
6:02
